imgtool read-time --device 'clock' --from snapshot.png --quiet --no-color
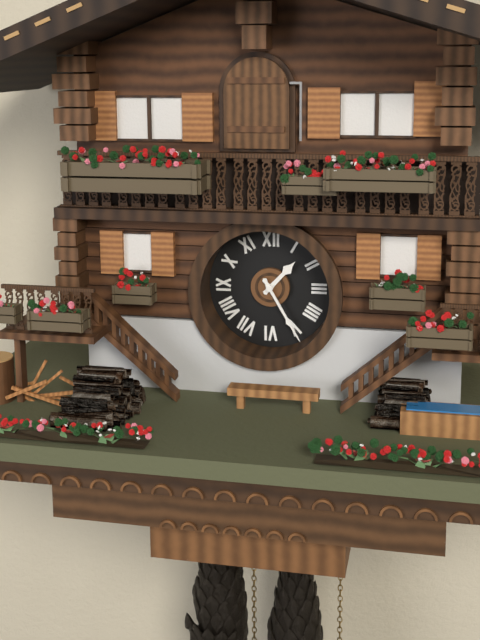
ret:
1:25
